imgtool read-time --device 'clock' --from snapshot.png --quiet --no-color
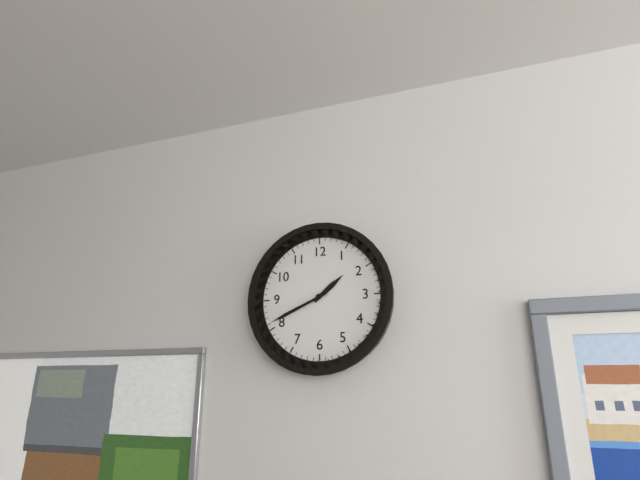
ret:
1:41
